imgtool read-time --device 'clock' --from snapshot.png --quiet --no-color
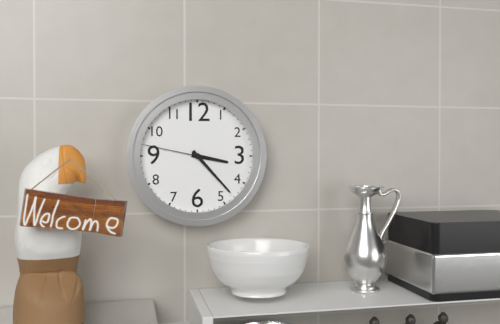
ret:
3:23:47
